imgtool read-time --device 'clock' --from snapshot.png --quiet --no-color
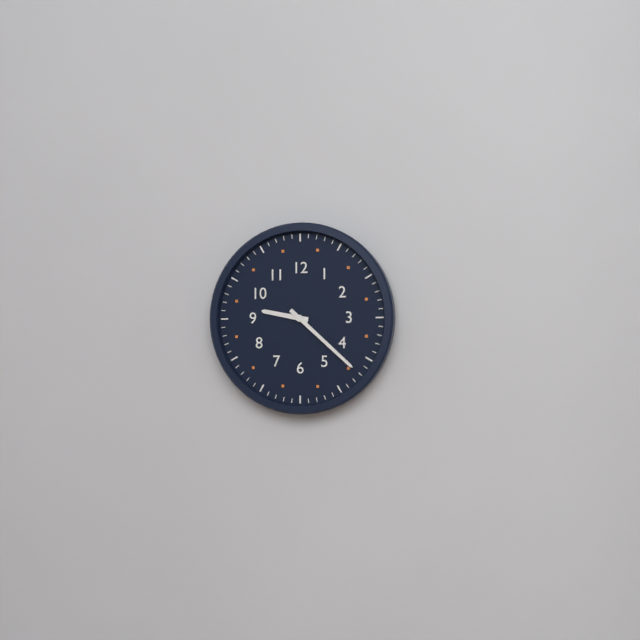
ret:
9:22
